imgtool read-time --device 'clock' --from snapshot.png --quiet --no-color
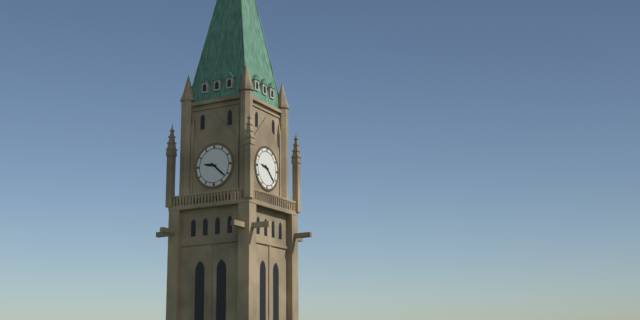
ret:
9:22
